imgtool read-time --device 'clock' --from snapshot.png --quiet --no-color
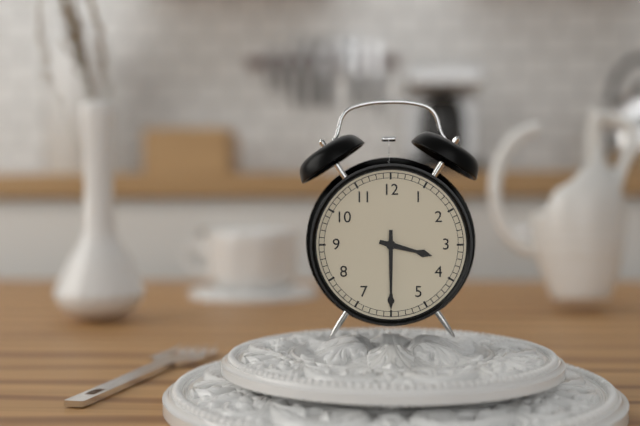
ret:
3:30
